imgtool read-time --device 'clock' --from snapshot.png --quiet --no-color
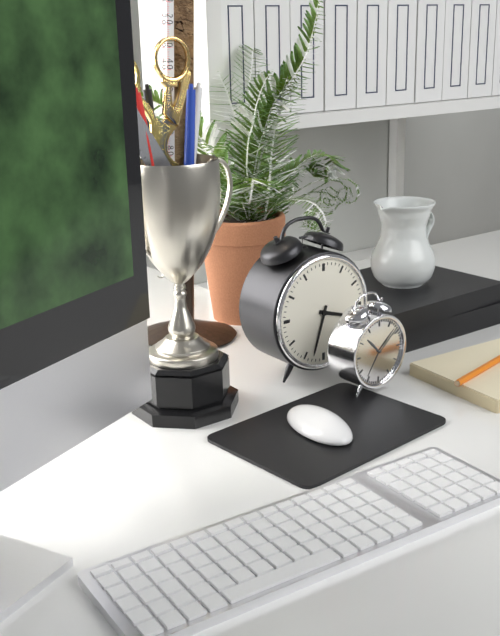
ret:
3:33
